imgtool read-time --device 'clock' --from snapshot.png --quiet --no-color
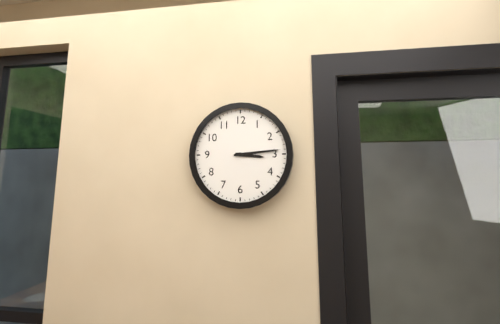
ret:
3:14
